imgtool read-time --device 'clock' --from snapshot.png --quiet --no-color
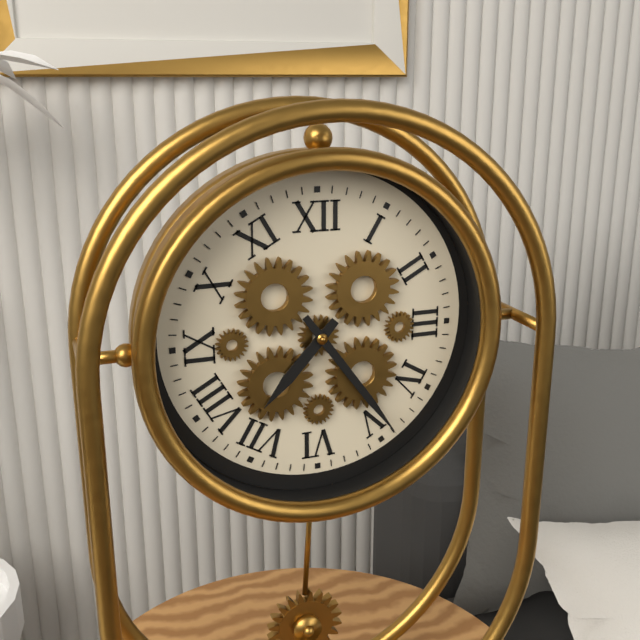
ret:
7:24
